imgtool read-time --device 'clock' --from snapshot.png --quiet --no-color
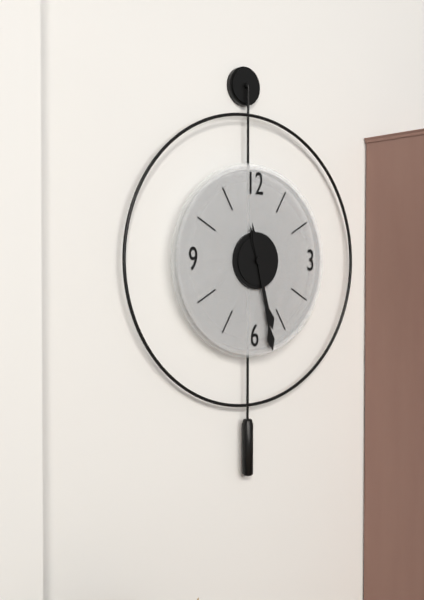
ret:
5:28
